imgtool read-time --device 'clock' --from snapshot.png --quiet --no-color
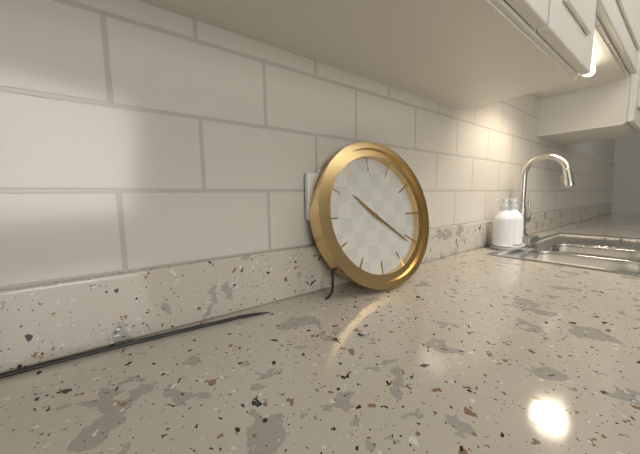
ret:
10:21
